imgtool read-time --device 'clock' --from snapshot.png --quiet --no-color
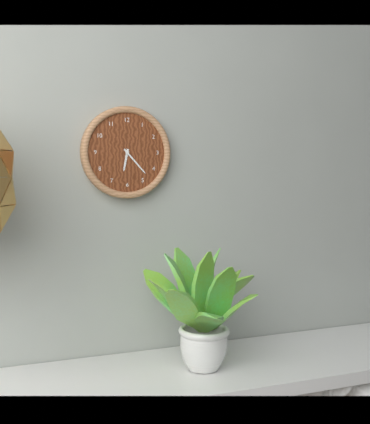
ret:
6:23
